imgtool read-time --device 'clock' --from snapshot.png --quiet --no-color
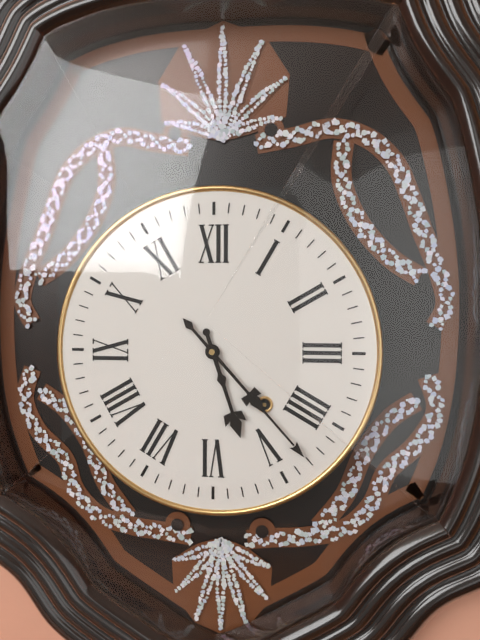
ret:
5:23
